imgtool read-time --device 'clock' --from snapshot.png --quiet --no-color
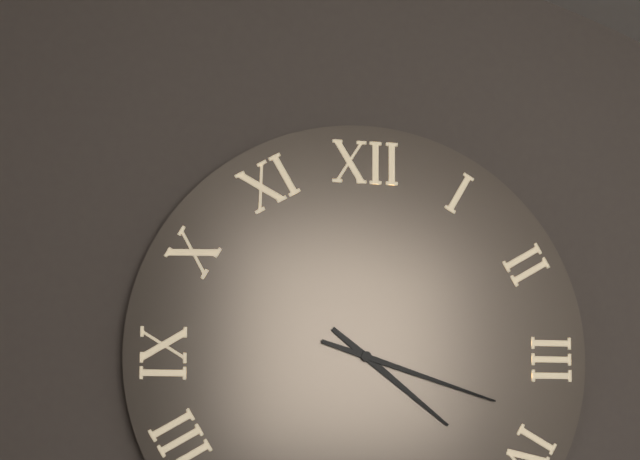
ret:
4:18
